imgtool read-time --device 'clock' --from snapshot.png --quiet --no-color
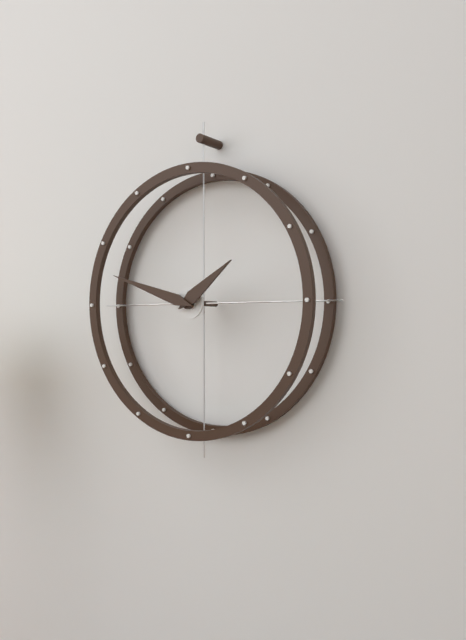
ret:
1:48
